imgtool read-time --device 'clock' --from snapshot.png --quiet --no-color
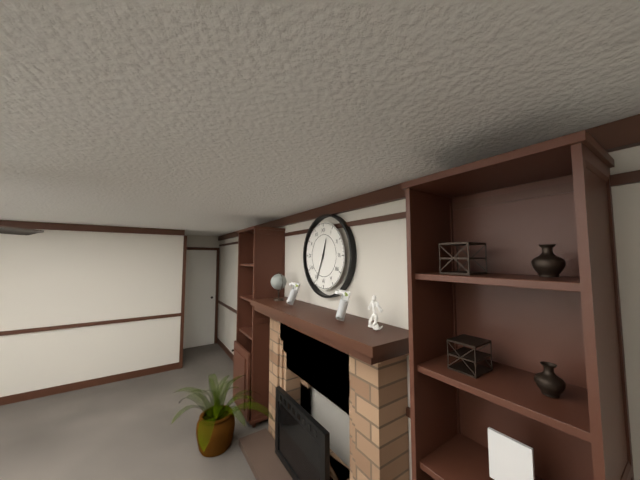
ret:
12:34
